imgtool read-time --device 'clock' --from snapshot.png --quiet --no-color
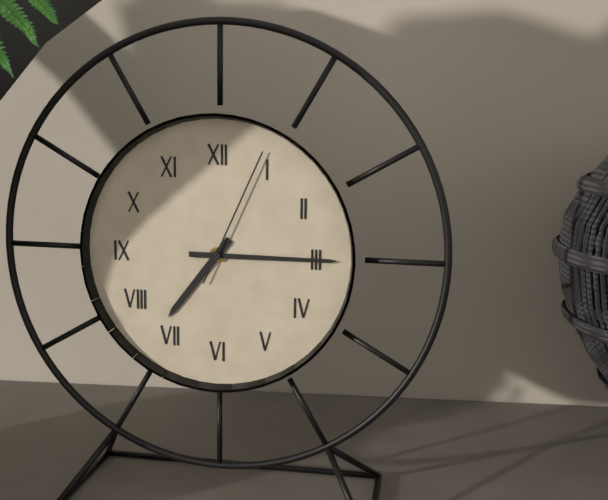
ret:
7:15:04
